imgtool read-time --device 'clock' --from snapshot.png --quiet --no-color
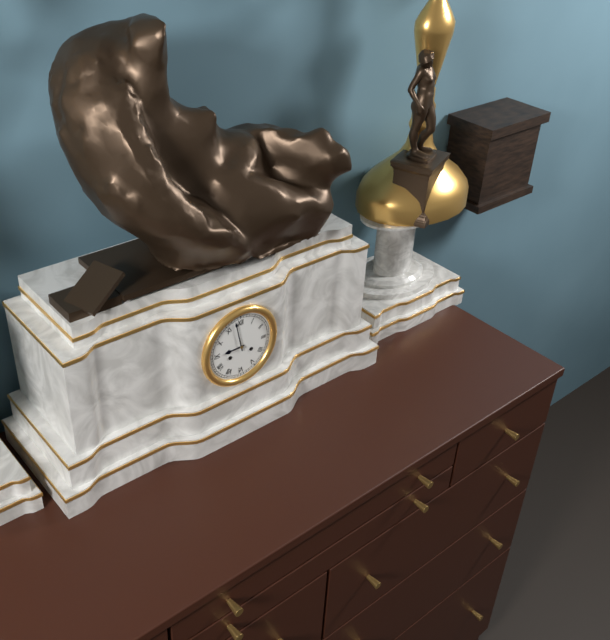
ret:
8:58
